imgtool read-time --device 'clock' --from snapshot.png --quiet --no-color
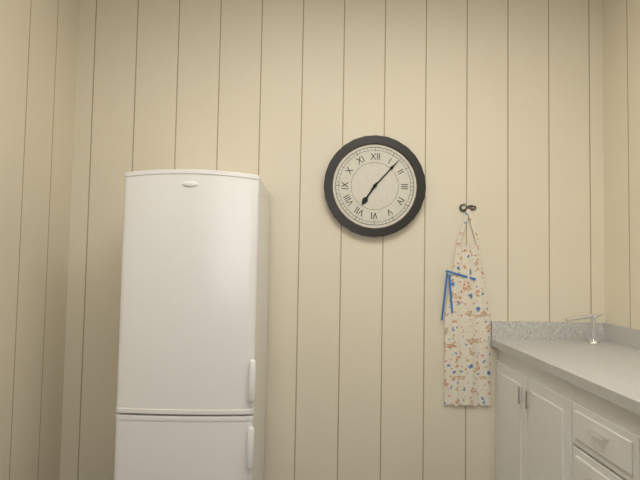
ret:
7:07
